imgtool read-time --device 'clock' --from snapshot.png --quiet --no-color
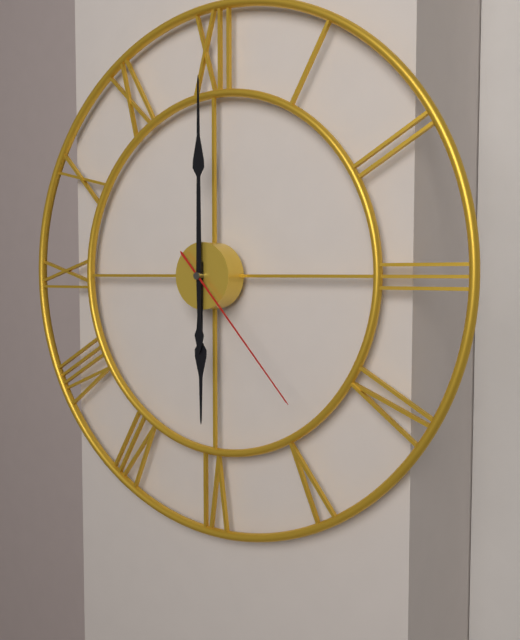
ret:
6:00:23
